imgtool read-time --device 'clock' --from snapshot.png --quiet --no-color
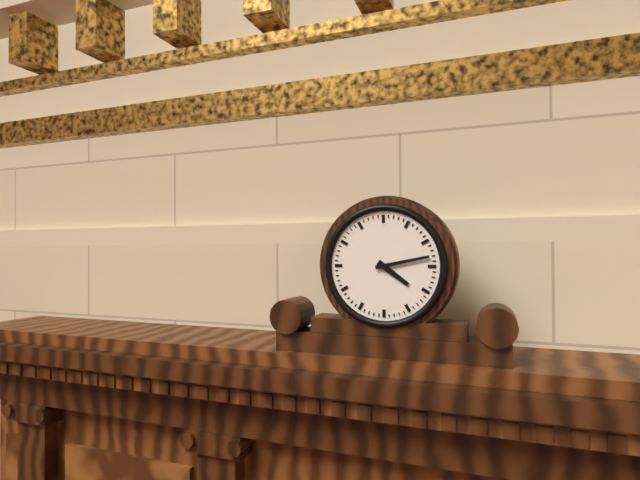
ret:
4:13
